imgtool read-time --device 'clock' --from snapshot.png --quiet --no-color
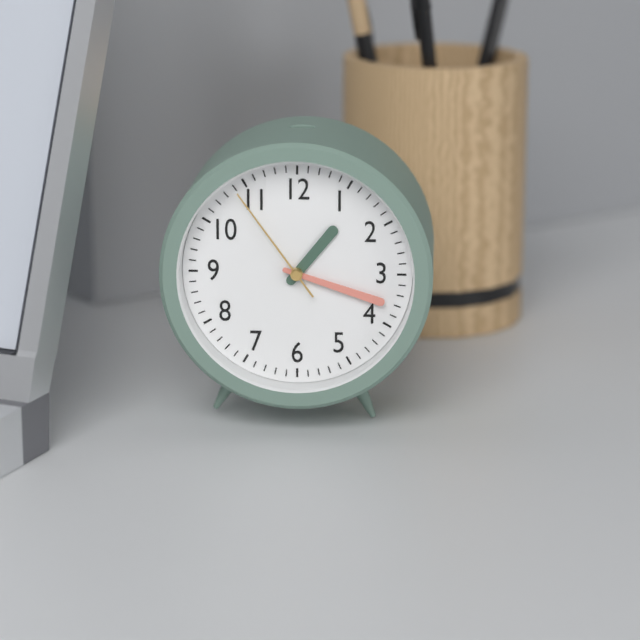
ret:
1:18:54
